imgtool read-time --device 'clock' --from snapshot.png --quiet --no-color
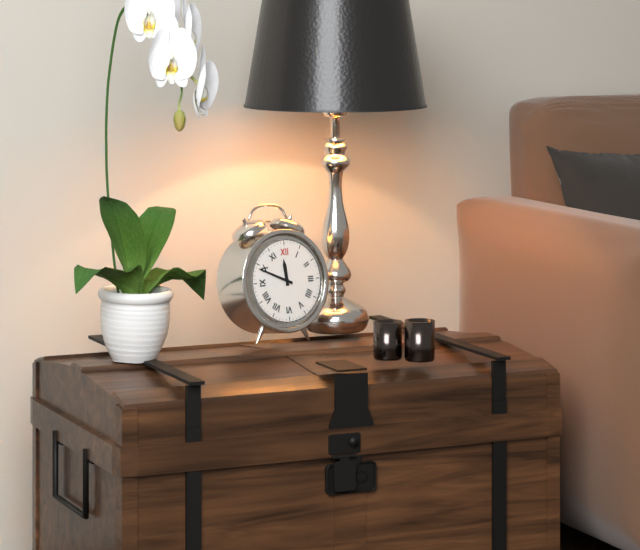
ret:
11:49
